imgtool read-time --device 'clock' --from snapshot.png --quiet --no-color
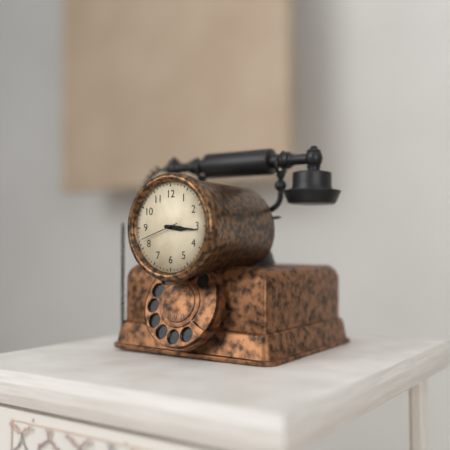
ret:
3:16
